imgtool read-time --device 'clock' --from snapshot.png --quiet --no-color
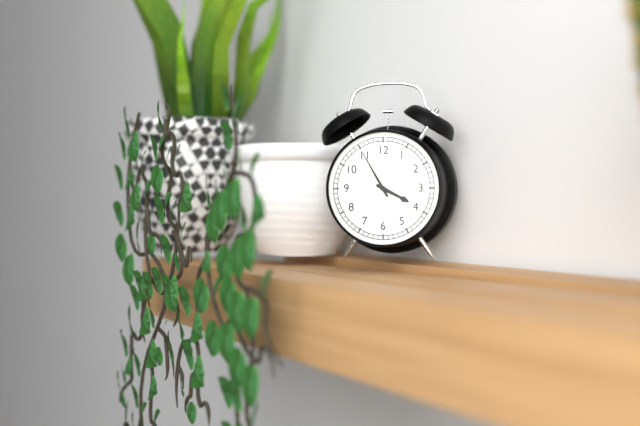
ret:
3:55
